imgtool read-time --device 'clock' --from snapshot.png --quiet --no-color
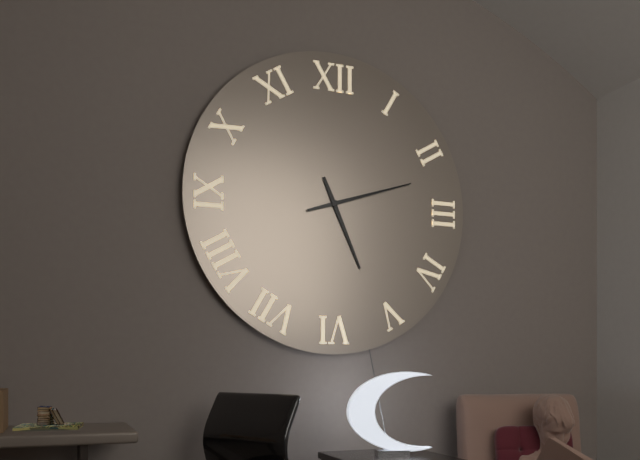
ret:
5:12
